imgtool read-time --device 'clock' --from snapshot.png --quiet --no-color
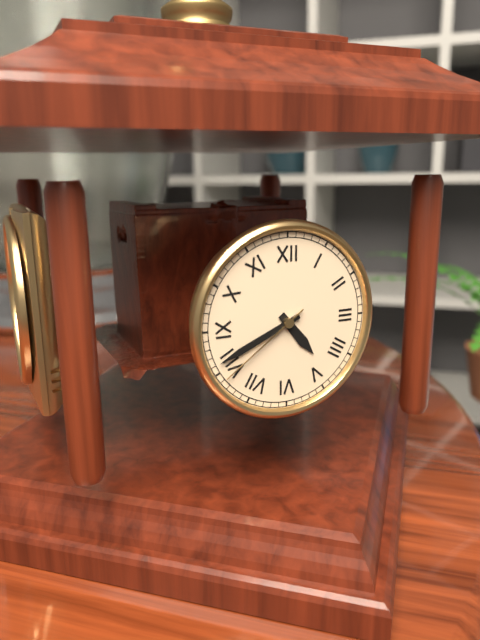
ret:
4:41:39
